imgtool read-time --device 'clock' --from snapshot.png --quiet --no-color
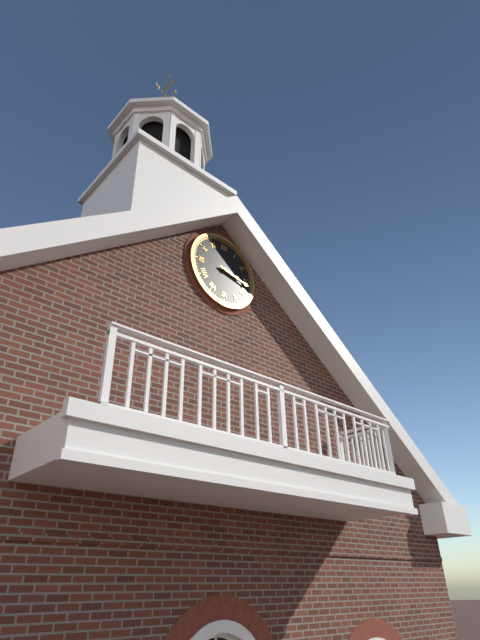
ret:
3:17
